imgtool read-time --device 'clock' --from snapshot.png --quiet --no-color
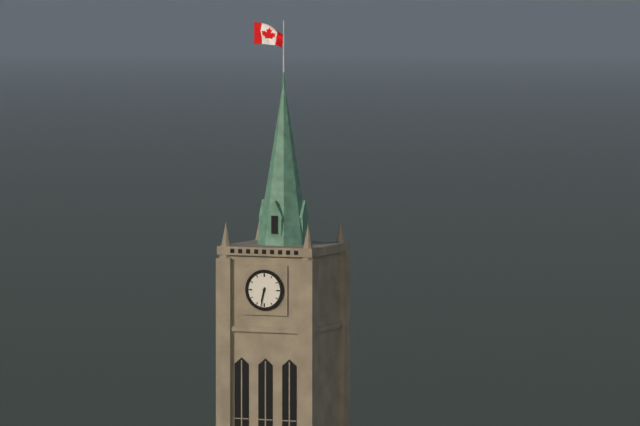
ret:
6:32
